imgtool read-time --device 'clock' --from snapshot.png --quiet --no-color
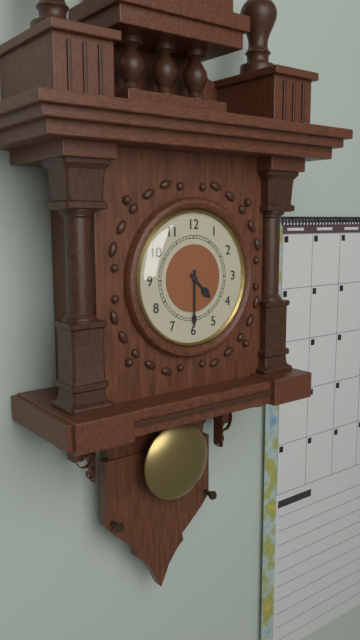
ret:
4:30
